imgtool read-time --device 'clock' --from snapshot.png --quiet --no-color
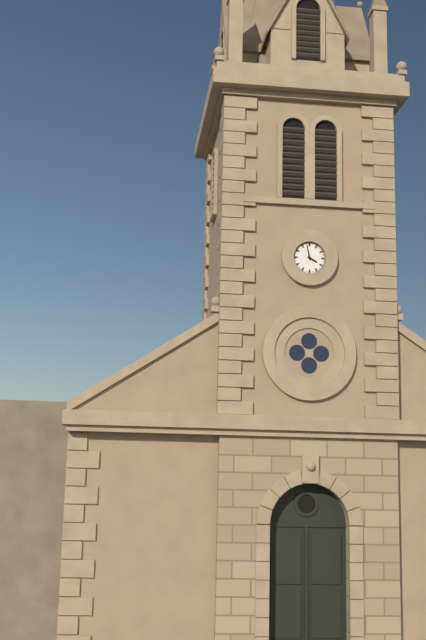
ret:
3:58
